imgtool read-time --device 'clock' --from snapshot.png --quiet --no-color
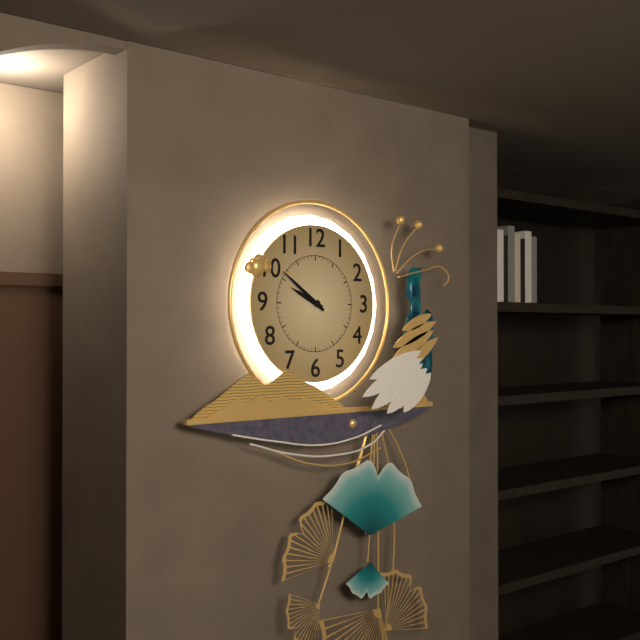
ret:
9:51
